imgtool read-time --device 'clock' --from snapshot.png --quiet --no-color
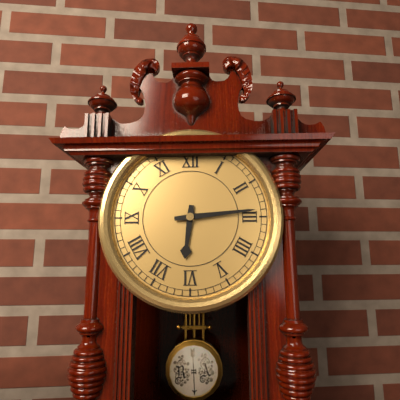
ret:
6:14
